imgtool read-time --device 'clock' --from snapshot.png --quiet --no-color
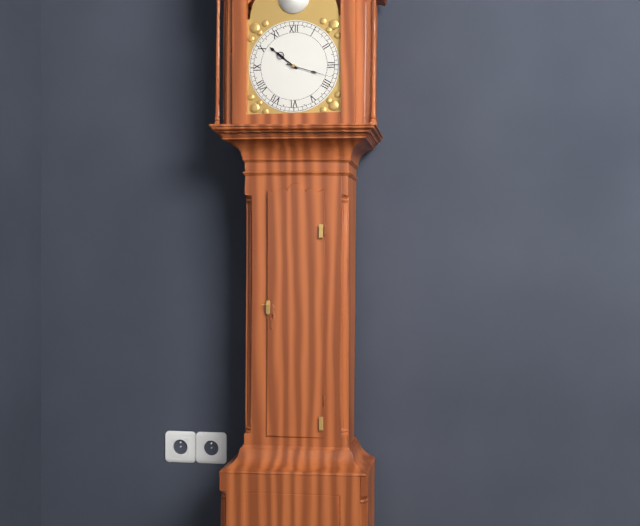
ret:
10:18
